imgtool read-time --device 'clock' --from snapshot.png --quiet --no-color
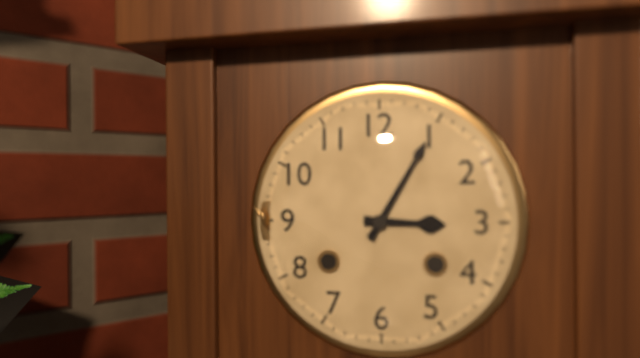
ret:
3:05
